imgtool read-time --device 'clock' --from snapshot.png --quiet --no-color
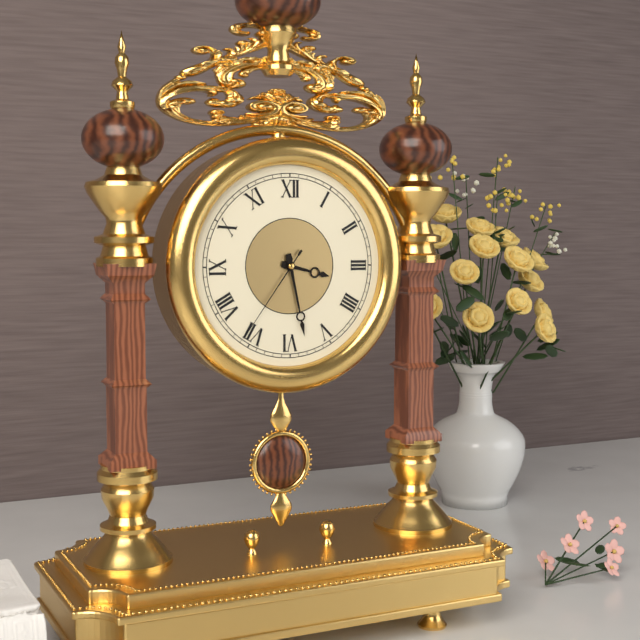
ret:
3:28:36
